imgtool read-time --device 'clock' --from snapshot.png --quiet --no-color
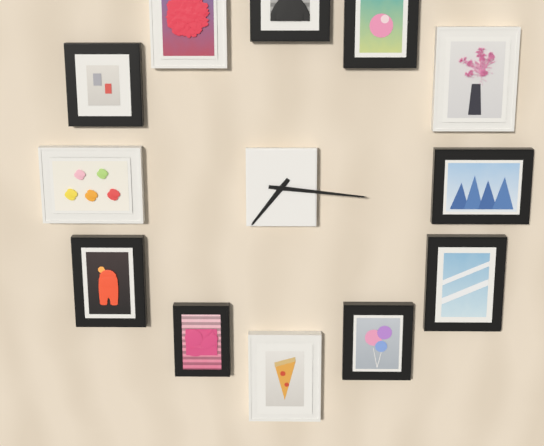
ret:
7:16
